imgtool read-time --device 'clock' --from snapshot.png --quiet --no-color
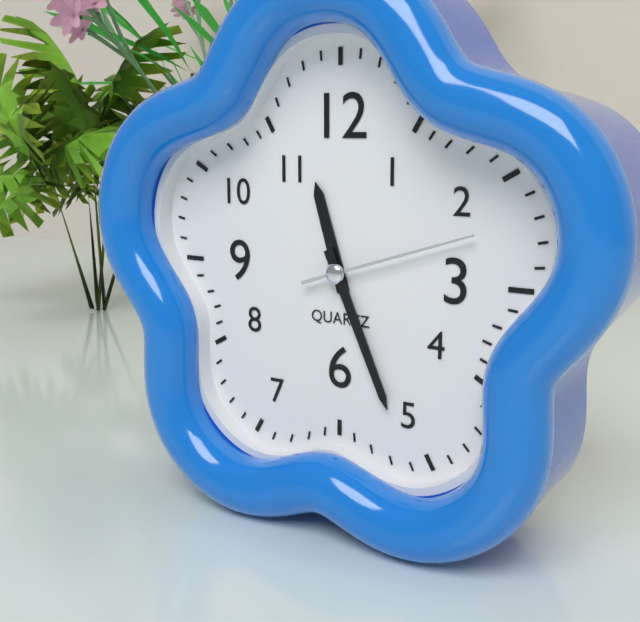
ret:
11:26:12
